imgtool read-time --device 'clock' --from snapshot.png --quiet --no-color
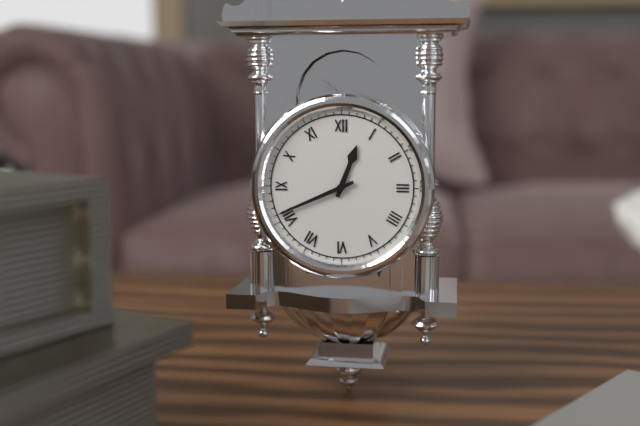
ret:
12:41
